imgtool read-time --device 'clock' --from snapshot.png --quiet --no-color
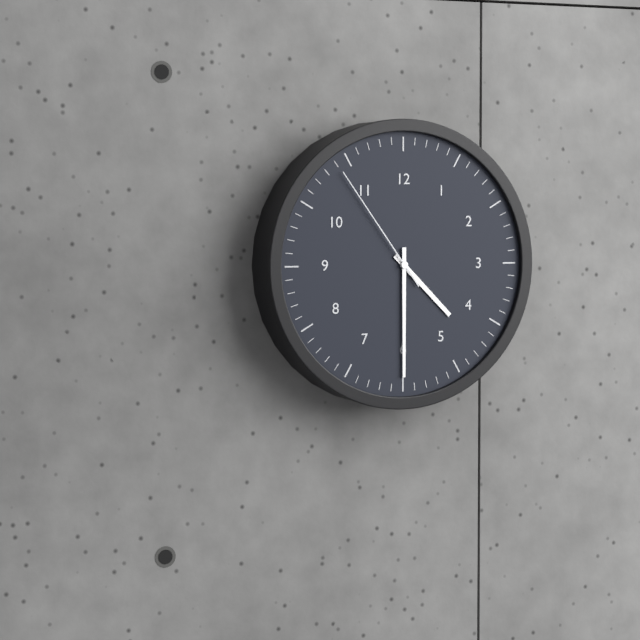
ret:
4:30:54
